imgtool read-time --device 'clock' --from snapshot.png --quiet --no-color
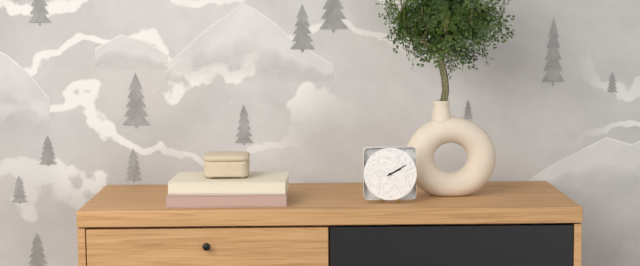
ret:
2:10
